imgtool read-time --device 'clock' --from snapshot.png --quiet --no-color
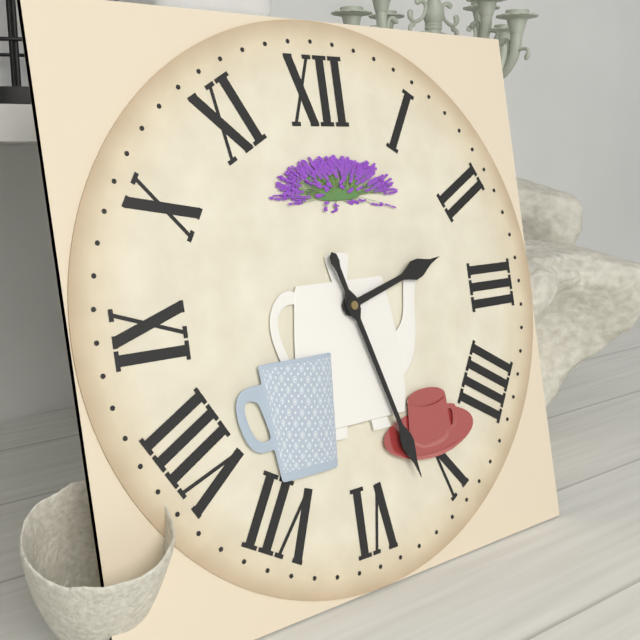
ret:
2:27
